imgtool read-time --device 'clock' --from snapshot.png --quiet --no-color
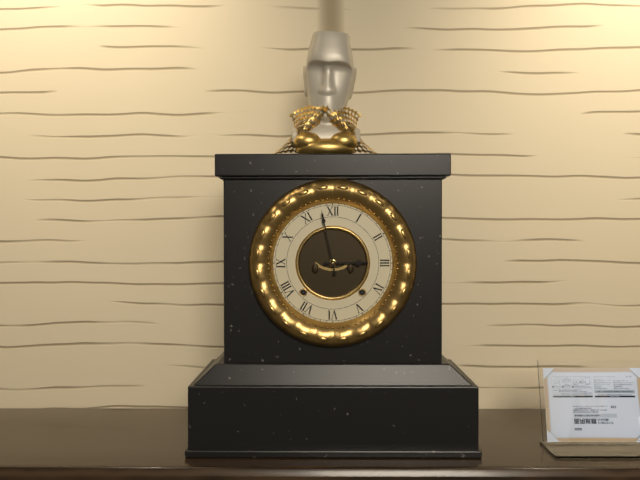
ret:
2:58
